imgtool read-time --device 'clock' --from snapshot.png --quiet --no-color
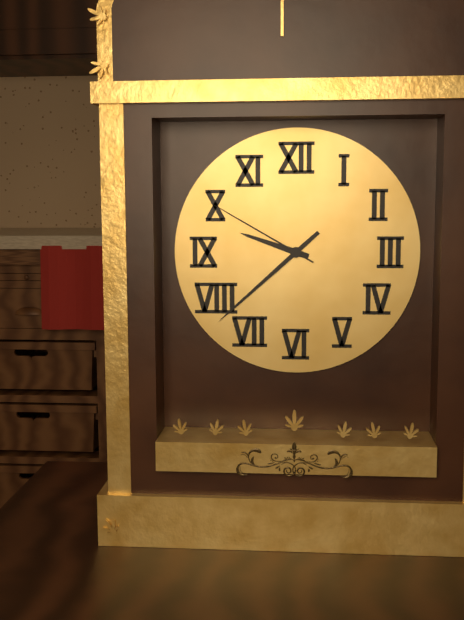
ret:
9:38:50
